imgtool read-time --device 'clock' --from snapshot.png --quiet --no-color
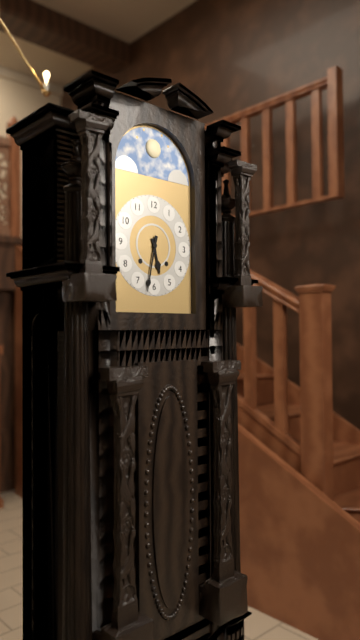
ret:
5:32
